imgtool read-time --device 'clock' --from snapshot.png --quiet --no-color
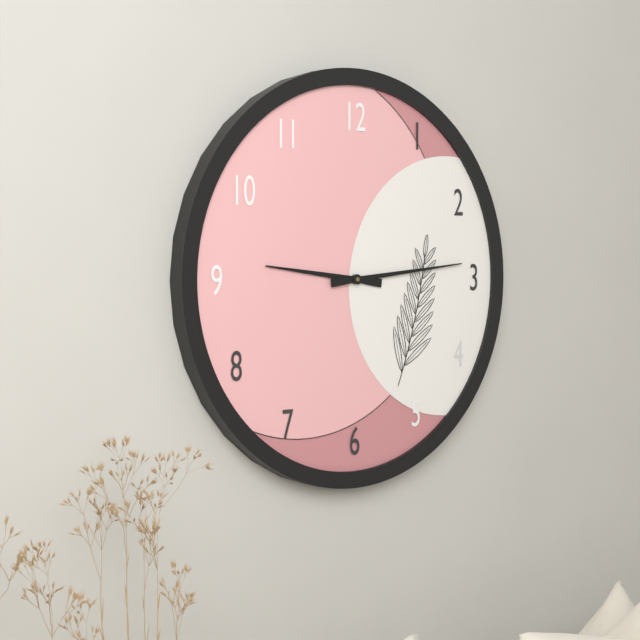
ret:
9:14
